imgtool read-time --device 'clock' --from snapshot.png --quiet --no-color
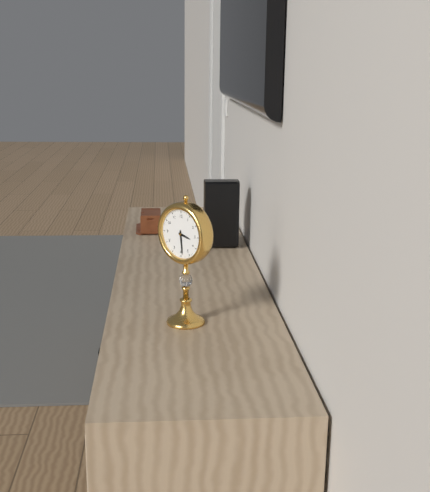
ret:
3:29
